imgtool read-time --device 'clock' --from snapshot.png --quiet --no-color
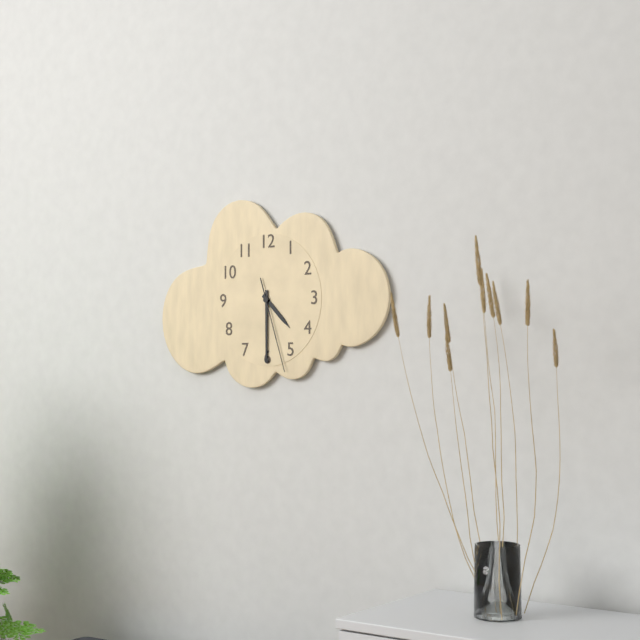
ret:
4:30:27
